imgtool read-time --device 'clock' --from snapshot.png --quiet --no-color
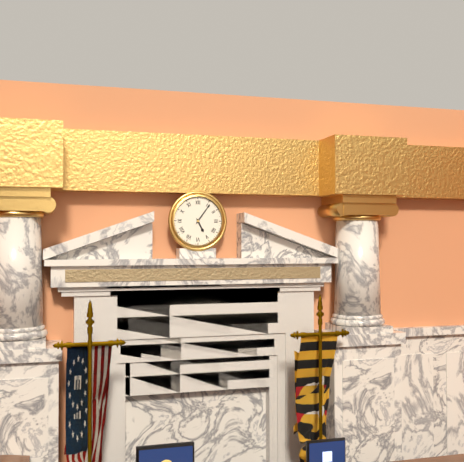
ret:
5:06
